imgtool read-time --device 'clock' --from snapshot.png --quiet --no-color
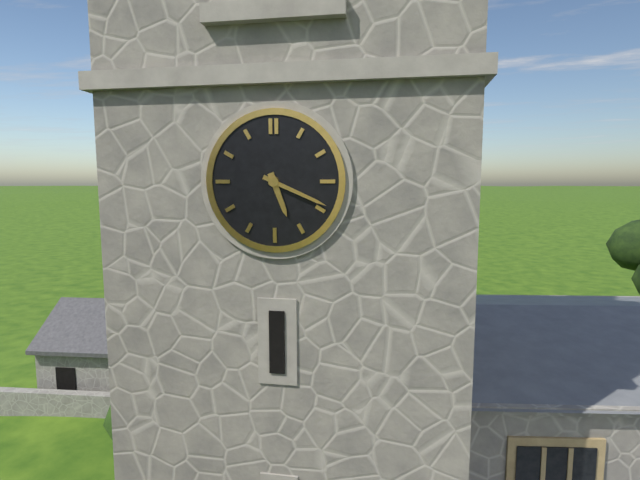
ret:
5:19
